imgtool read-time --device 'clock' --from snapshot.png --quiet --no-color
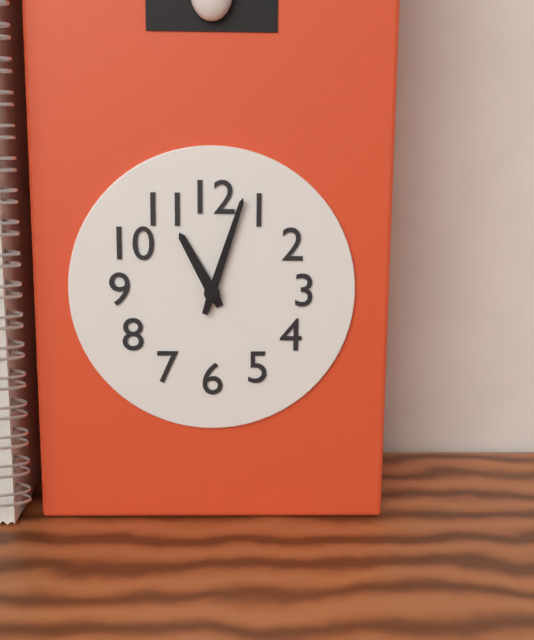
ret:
11:03
